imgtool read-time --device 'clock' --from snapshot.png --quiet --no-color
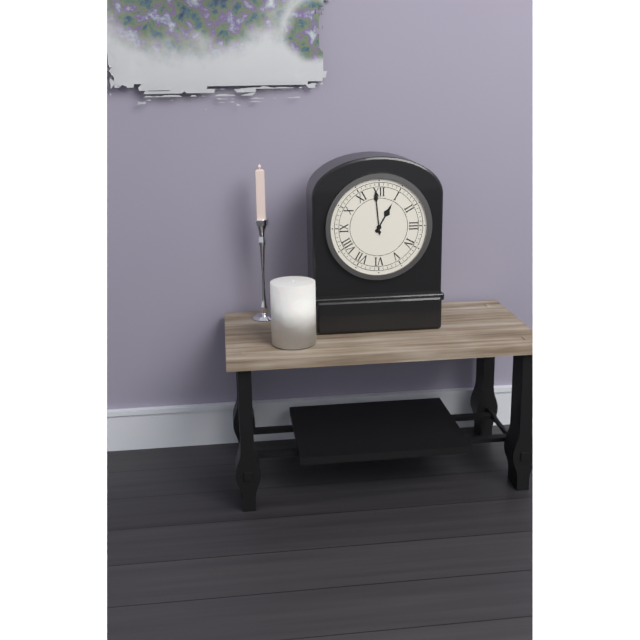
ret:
12:59
